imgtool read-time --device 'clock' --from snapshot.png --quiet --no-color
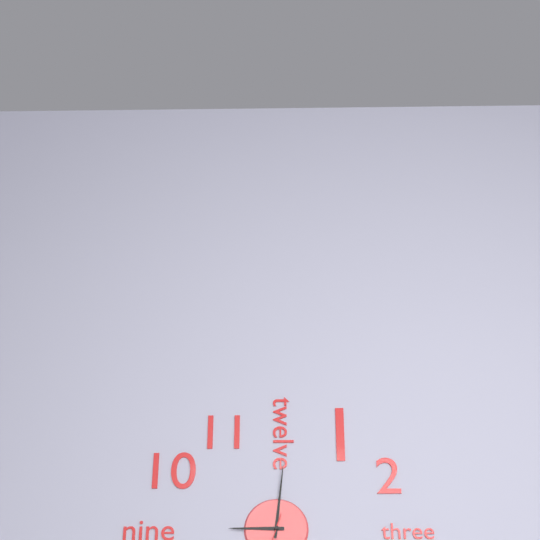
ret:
9:01
